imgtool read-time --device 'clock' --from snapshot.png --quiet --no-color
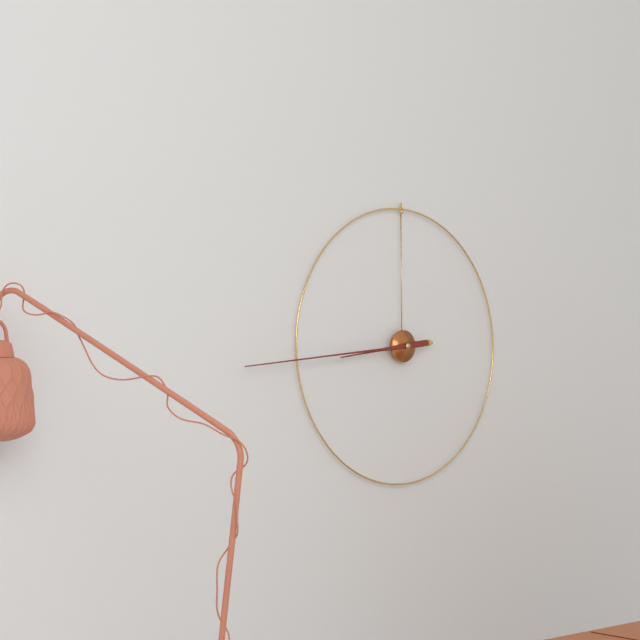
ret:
8:44
